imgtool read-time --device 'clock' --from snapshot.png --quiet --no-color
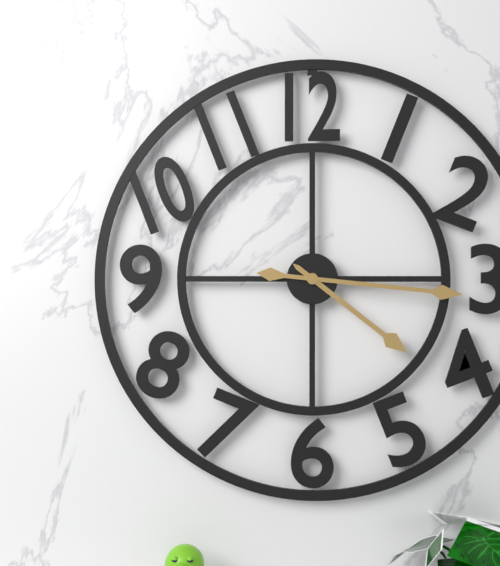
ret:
4:16
